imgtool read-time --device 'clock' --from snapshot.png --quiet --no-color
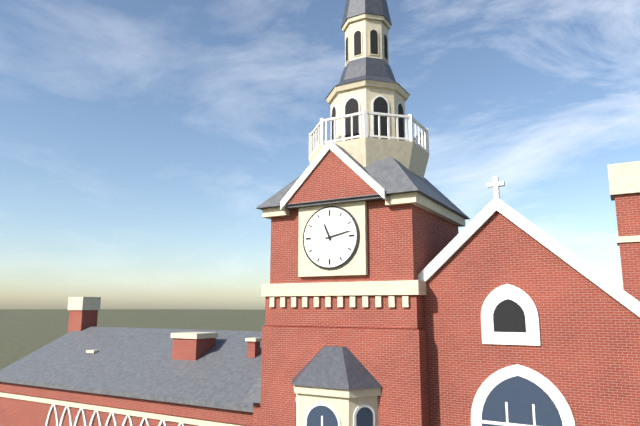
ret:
11:13
